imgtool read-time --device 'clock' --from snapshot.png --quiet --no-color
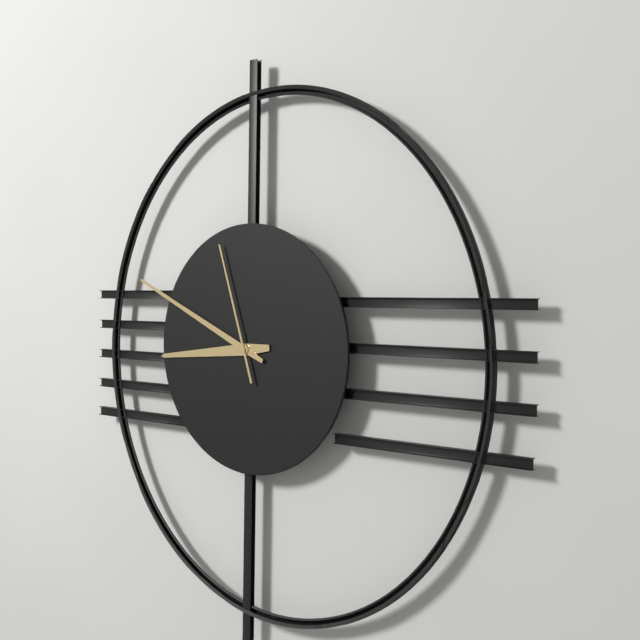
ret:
8:49:57
